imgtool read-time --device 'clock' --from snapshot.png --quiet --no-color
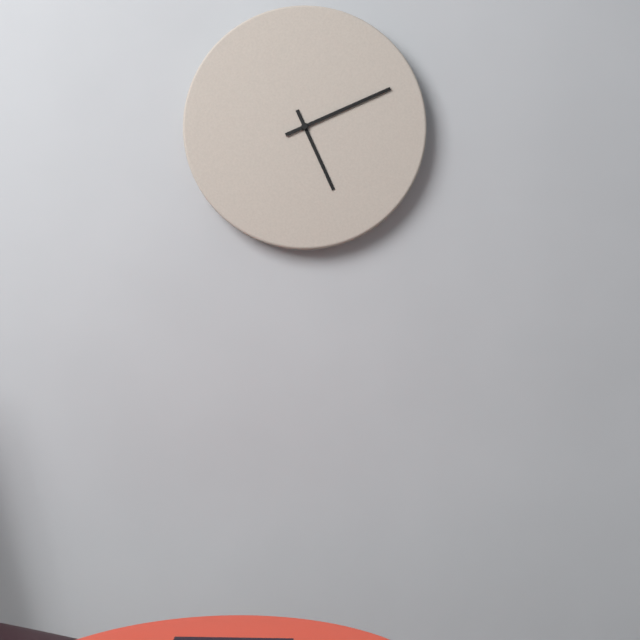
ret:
5:11
